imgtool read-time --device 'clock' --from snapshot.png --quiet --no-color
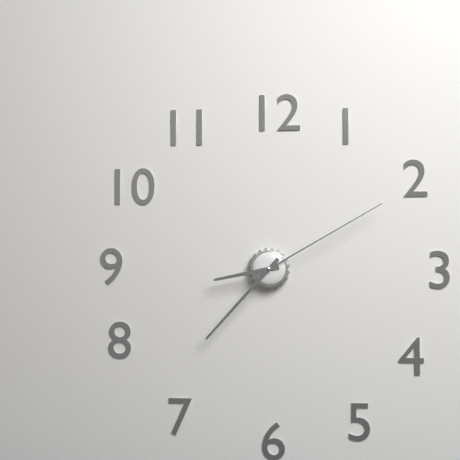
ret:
8:37:10
